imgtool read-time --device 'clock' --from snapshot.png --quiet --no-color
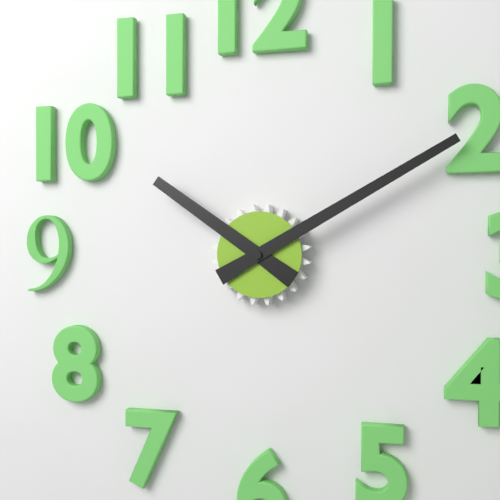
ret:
10:10
